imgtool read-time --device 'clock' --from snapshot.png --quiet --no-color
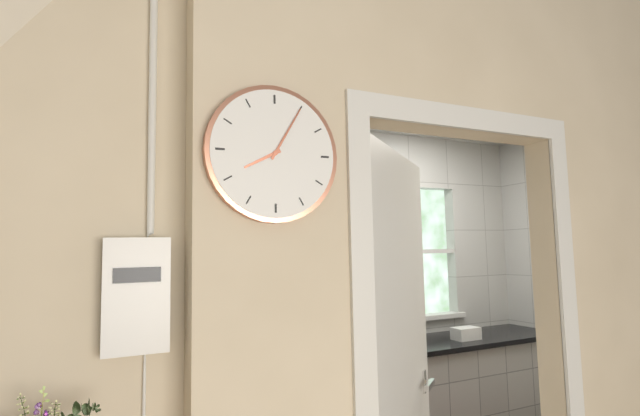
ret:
8:05
